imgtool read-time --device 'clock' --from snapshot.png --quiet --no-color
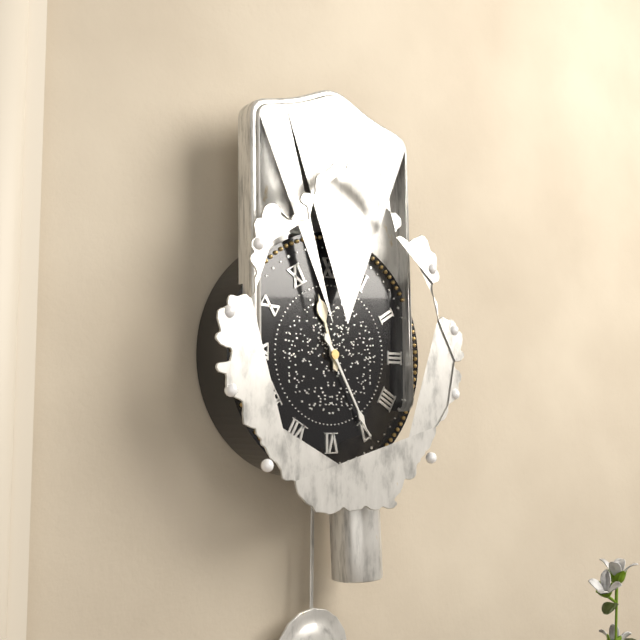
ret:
11:25
